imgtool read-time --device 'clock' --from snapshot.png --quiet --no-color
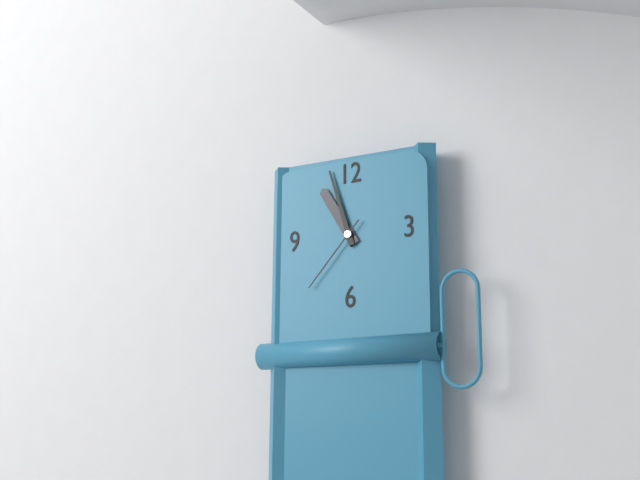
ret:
10:57:37
